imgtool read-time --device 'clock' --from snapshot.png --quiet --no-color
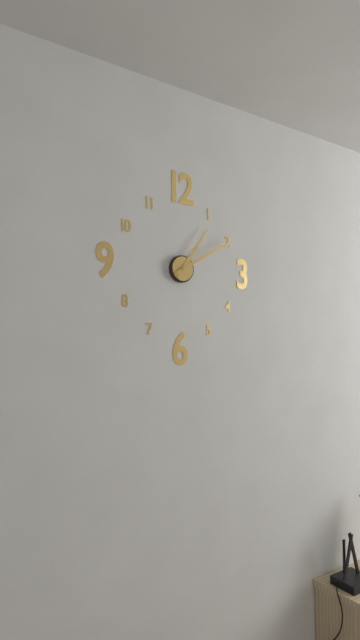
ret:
1:10
